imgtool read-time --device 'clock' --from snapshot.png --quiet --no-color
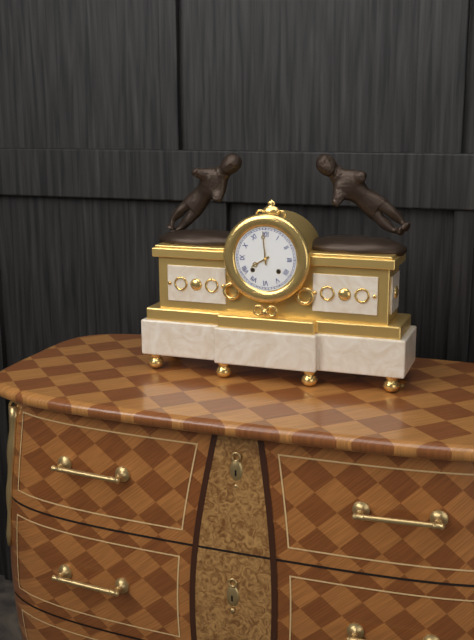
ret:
7:59
